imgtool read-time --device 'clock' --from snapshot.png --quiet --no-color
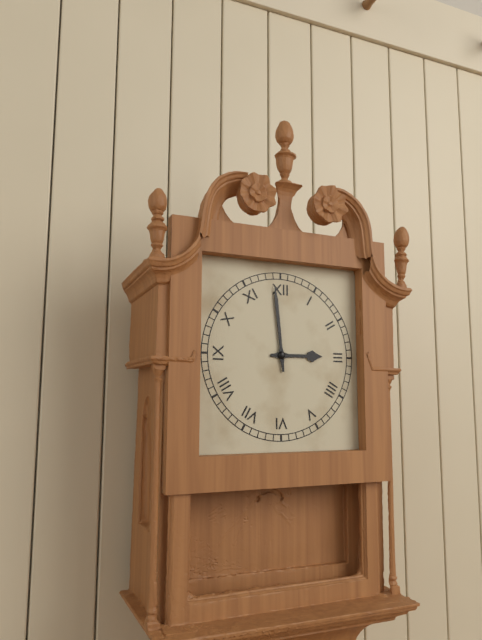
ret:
2:59
